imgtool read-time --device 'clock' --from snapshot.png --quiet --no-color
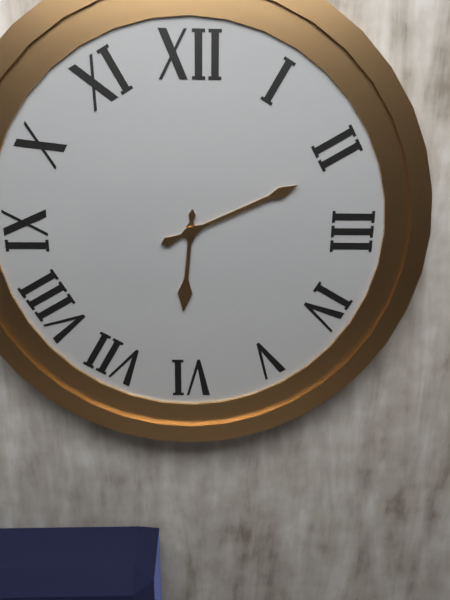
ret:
6:11
